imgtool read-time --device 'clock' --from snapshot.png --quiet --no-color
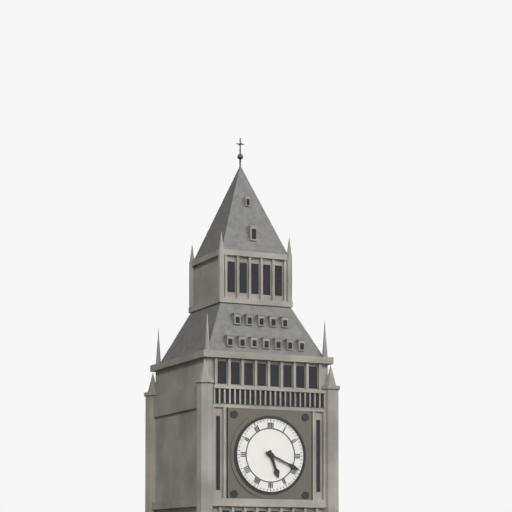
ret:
5:19
